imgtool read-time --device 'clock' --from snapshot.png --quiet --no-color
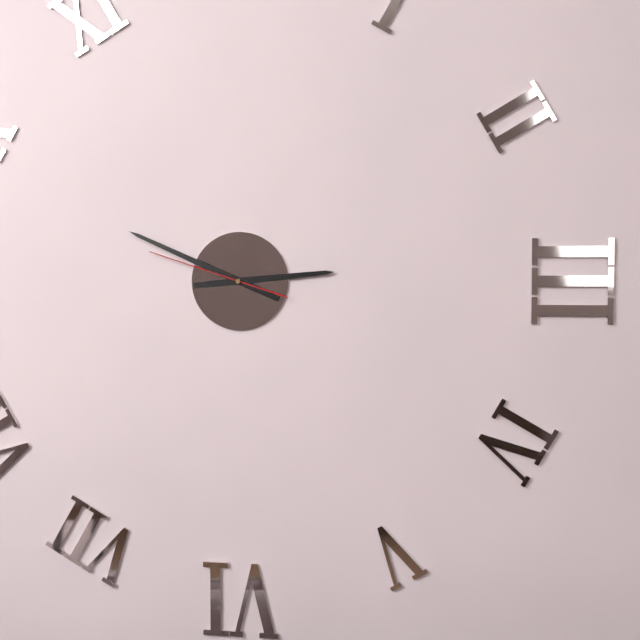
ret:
2:49:48
